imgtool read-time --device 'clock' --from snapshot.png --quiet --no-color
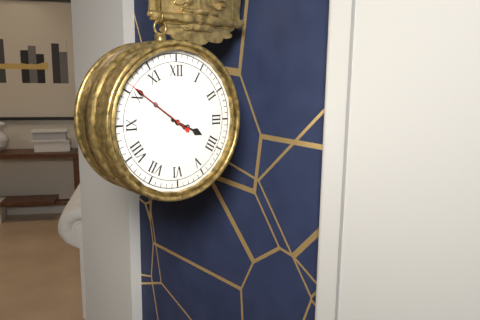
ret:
3:51:51
